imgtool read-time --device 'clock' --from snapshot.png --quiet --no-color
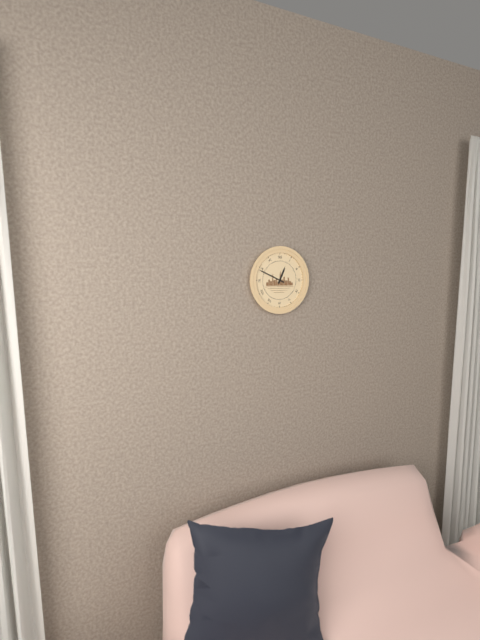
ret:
12:49
